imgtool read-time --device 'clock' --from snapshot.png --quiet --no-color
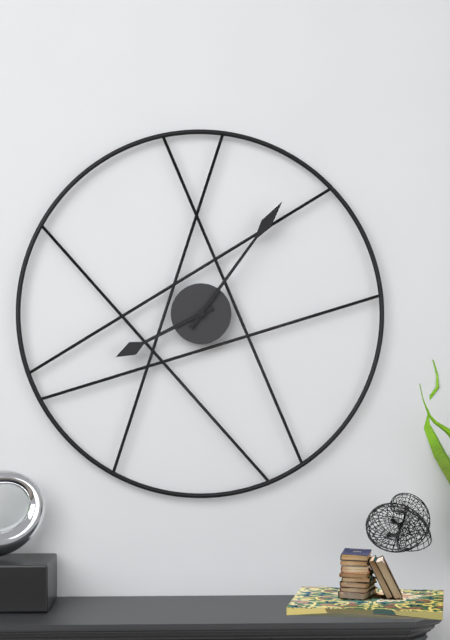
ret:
8:06
